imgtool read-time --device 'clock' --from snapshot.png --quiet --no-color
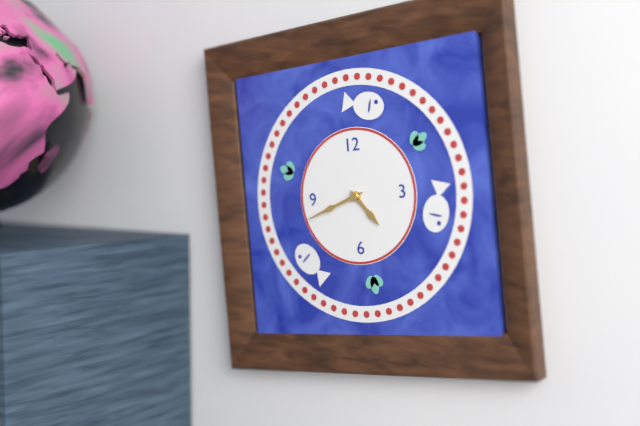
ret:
4:42
